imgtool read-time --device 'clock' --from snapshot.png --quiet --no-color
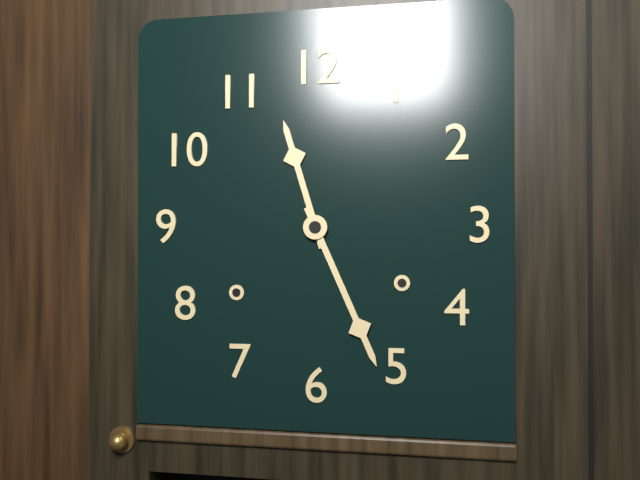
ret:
11:26
